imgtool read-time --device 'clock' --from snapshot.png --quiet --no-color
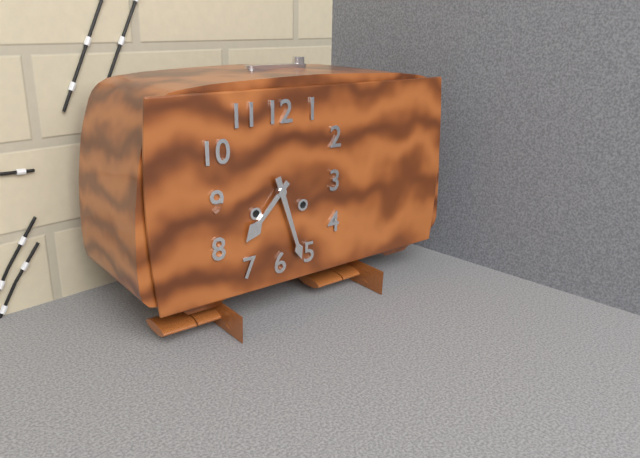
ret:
7:27
